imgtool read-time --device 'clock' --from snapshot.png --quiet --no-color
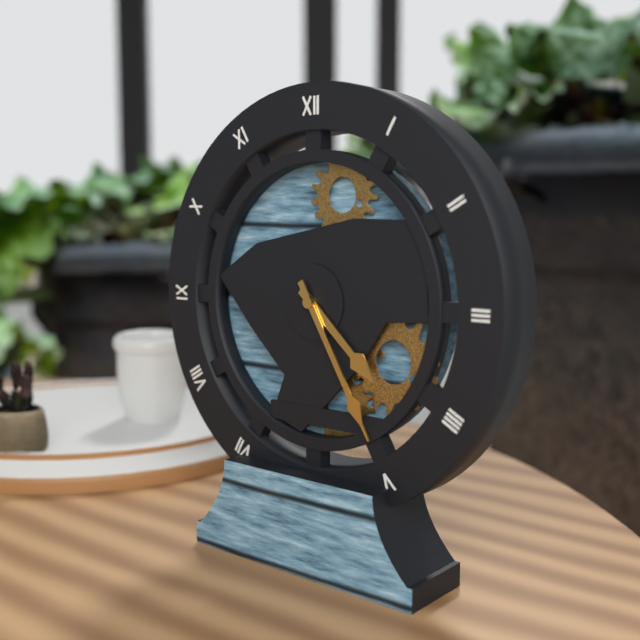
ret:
4:25
